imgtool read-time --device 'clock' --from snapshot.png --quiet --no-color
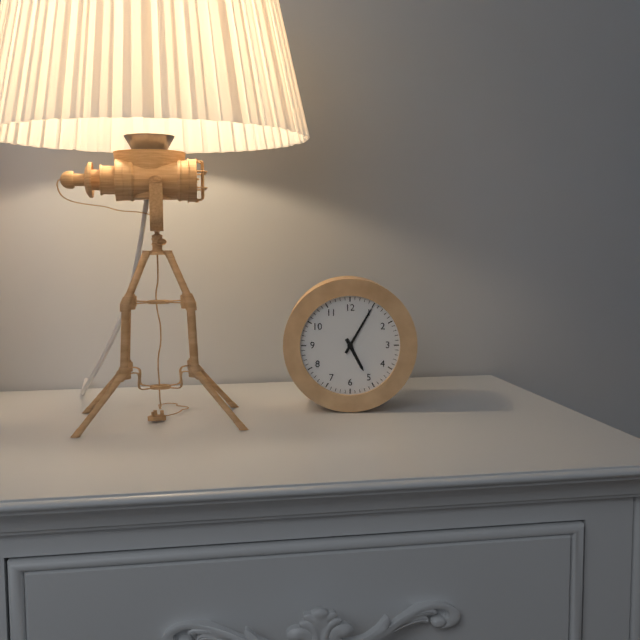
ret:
5:05
